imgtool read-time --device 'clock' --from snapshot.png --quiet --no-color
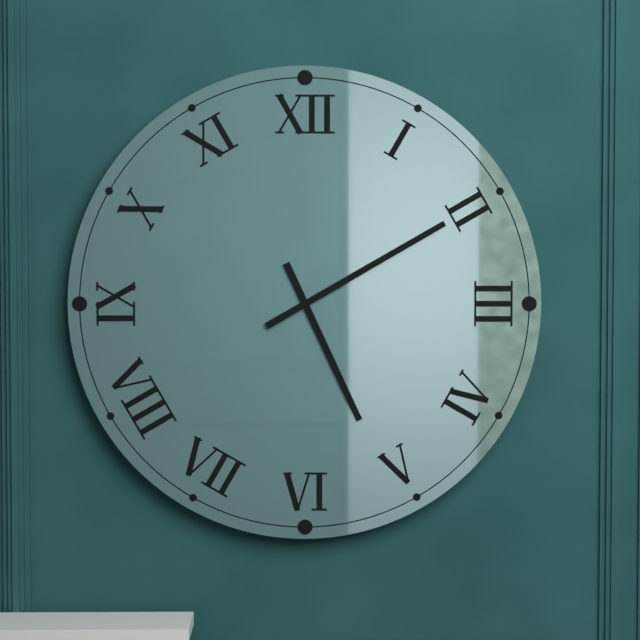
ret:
5:10
